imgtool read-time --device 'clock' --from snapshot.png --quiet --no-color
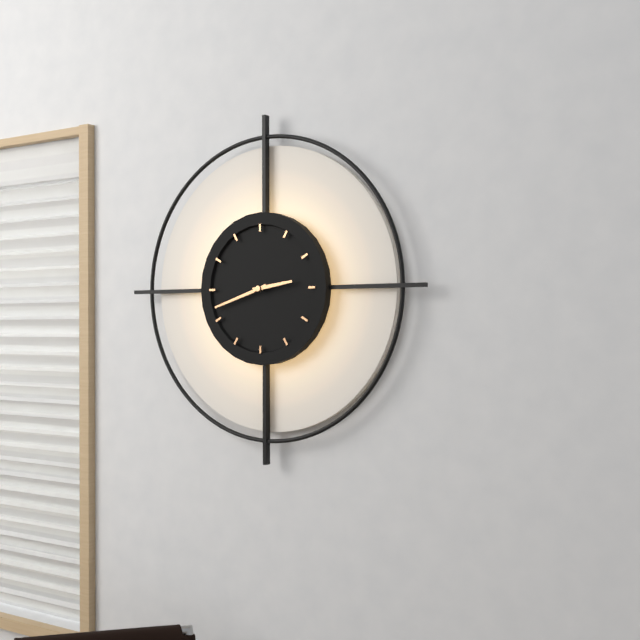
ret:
2:42
